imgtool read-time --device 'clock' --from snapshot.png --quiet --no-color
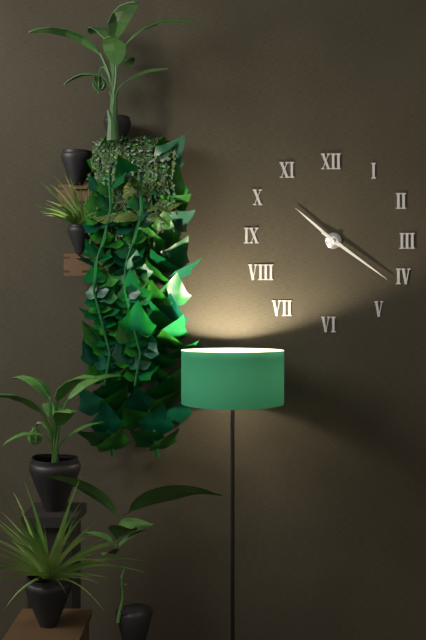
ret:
10:21
